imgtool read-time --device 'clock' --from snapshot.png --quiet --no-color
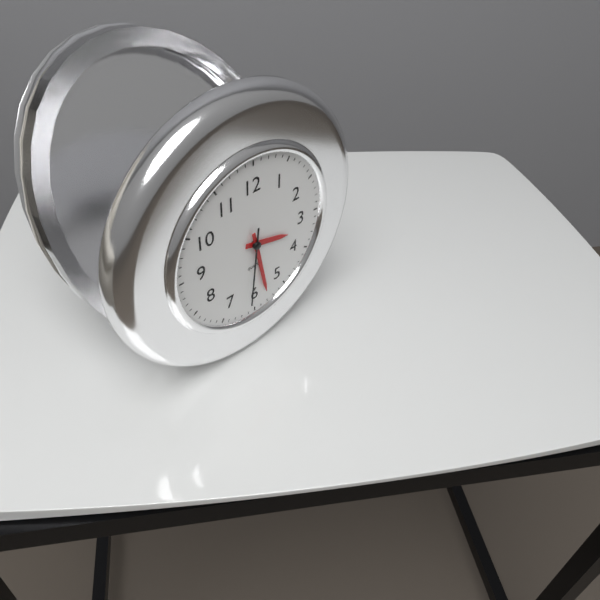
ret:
3:28:31
